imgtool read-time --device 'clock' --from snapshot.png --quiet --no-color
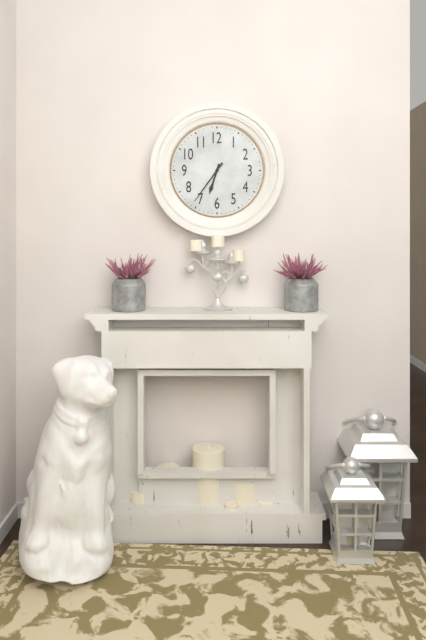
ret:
6:36
